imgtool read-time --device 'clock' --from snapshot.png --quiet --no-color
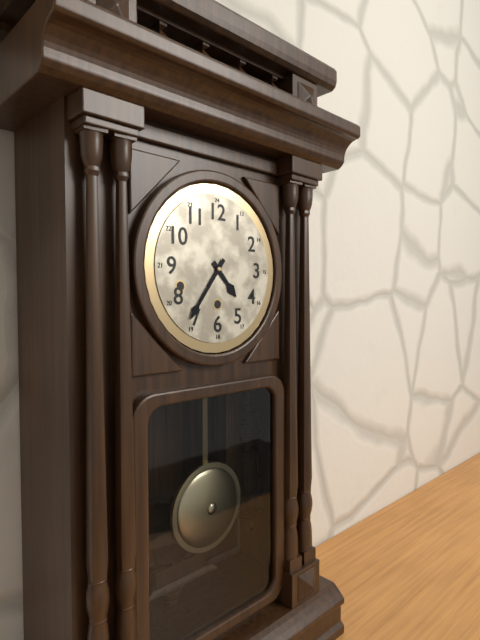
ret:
4:36
